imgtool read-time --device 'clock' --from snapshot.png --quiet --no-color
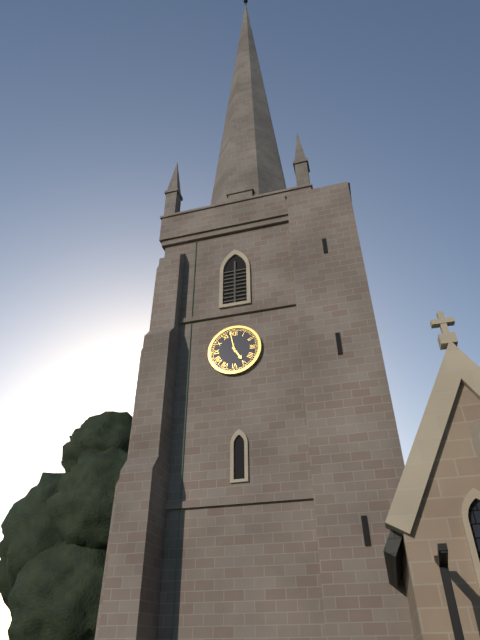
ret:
4:58
